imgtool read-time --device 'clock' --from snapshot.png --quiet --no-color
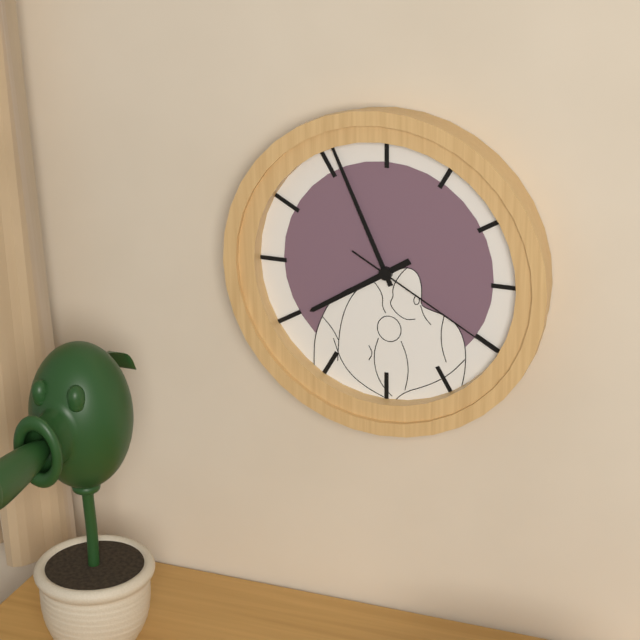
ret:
7:56:20
